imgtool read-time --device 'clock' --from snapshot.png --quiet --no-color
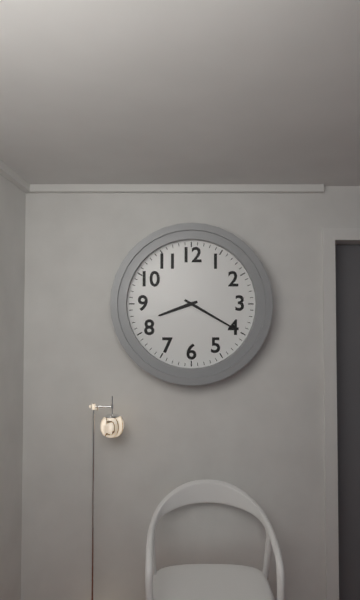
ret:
8:20
